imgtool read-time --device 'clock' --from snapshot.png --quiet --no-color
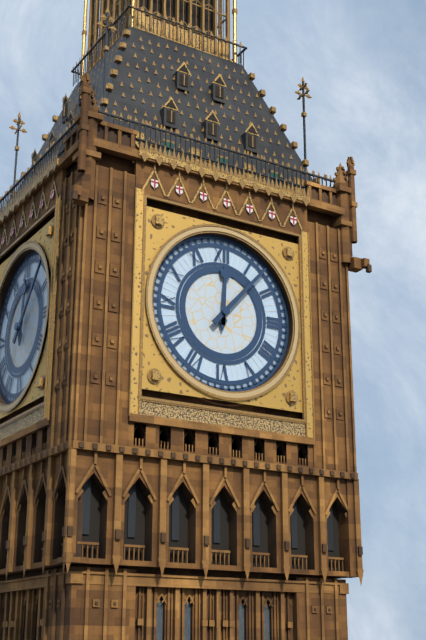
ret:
12:07
